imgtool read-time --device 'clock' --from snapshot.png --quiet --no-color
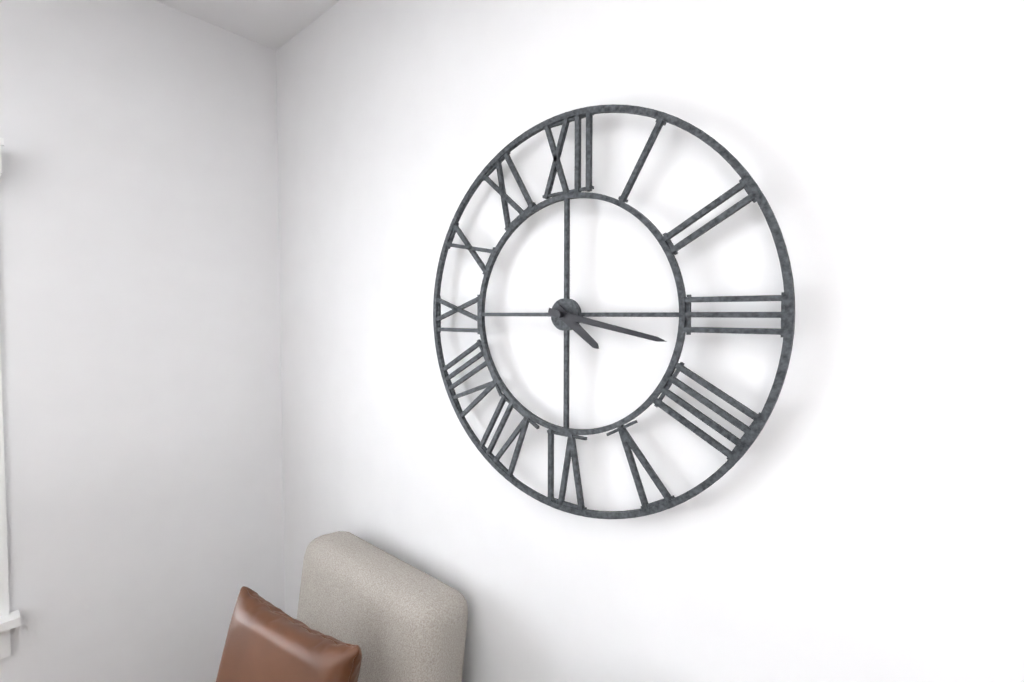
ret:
4:17
